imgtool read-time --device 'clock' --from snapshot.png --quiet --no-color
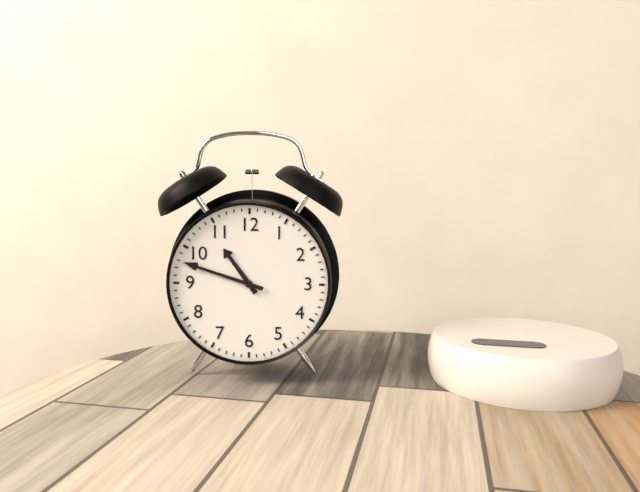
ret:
10:48
